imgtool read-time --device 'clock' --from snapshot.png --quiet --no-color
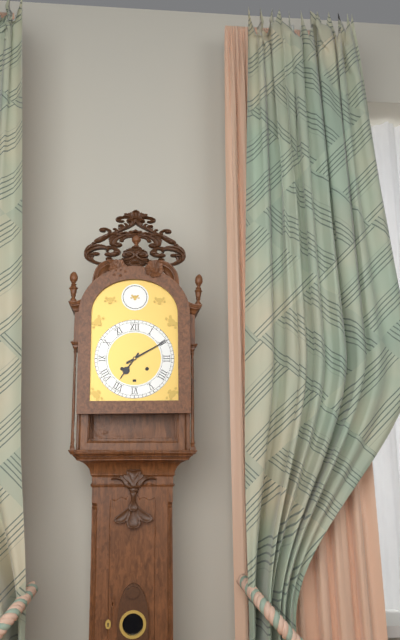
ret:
7:10
